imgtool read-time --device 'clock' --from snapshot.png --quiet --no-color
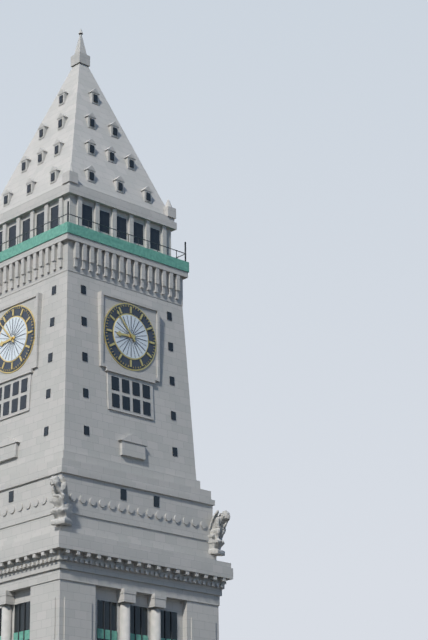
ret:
8:53
